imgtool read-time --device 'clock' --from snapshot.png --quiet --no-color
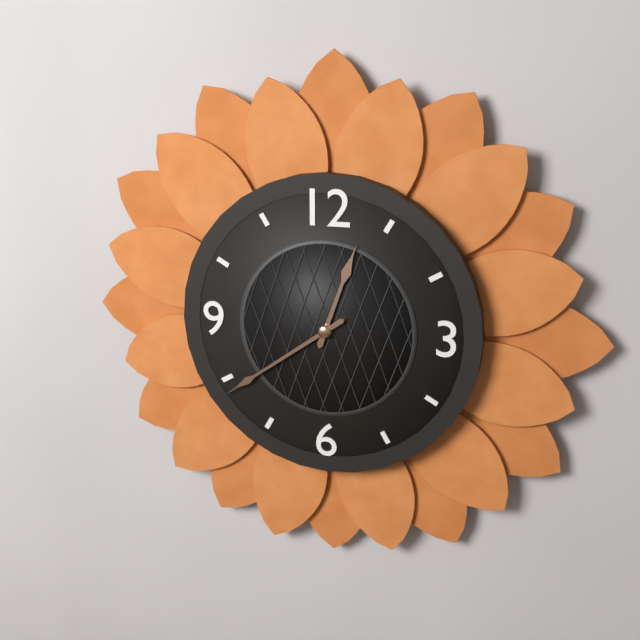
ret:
12:39
